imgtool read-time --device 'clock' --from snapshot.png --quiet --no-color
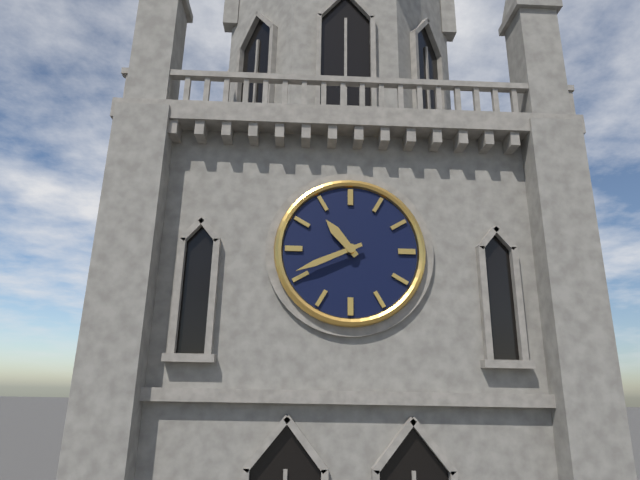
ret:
10:41
